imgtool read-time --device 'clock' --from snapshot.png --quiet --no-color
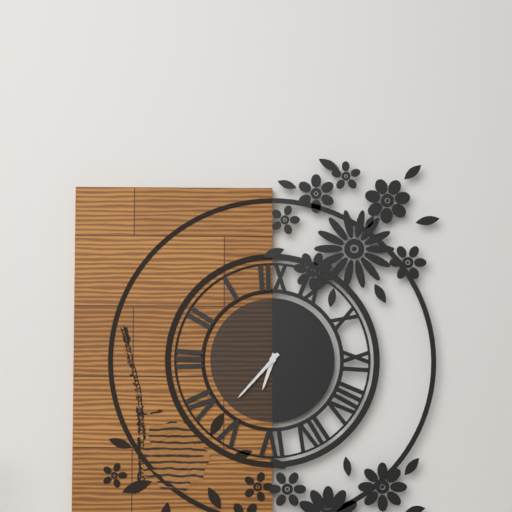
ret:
6:37
